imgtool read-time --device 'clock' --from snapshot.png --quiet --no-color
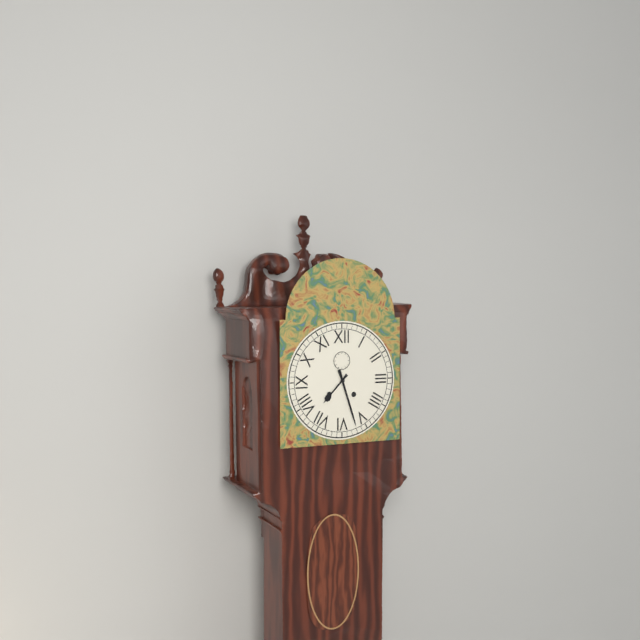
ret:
7:27
